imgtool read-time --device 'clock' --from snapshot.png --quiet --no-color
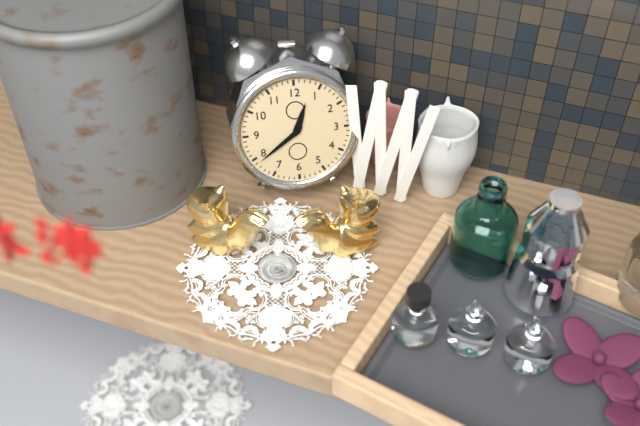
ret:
12:39
